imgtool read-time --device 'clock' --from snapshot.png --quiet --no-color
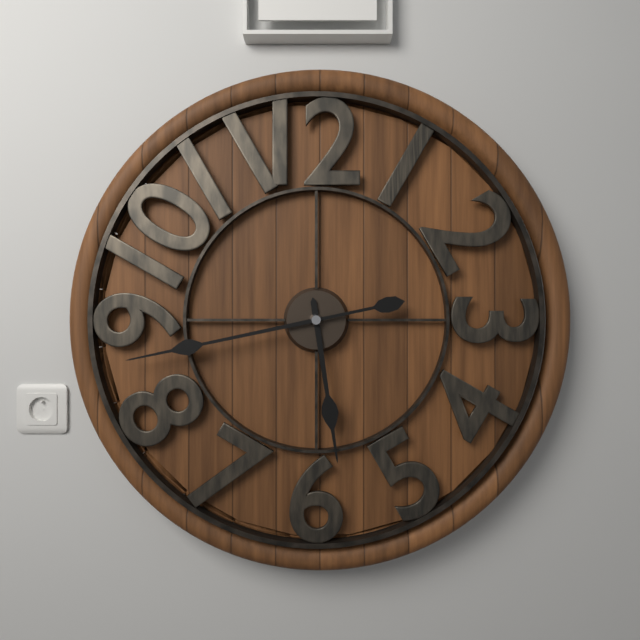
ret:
5:43
